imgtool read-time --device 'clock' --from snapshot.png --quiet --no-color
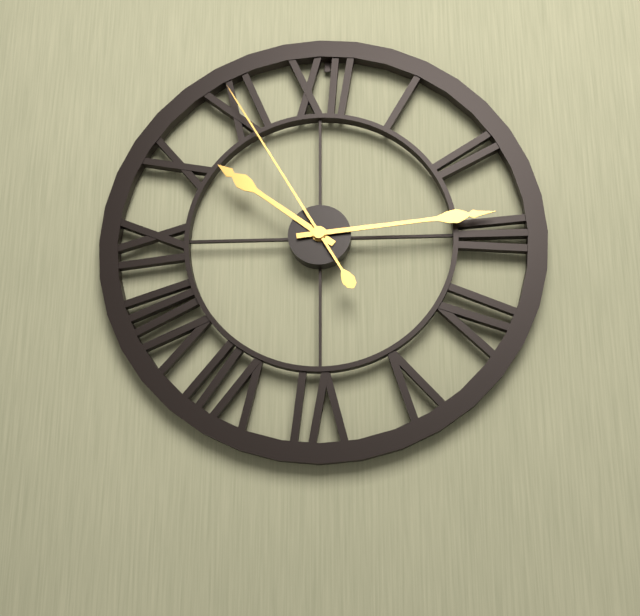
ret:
10:14:55
